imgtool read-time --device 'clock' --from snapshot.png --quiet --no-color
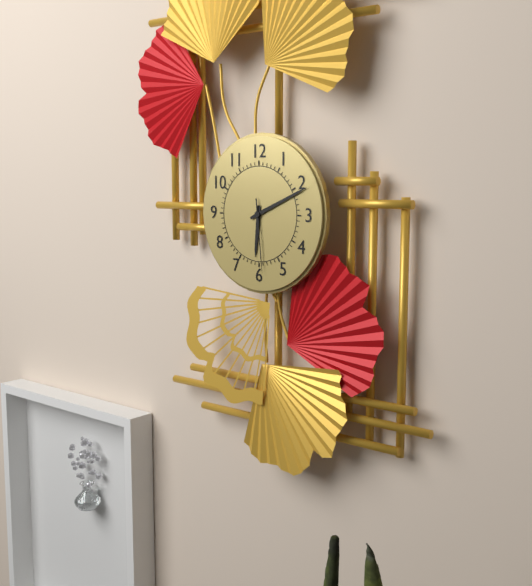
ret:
6:11:29
